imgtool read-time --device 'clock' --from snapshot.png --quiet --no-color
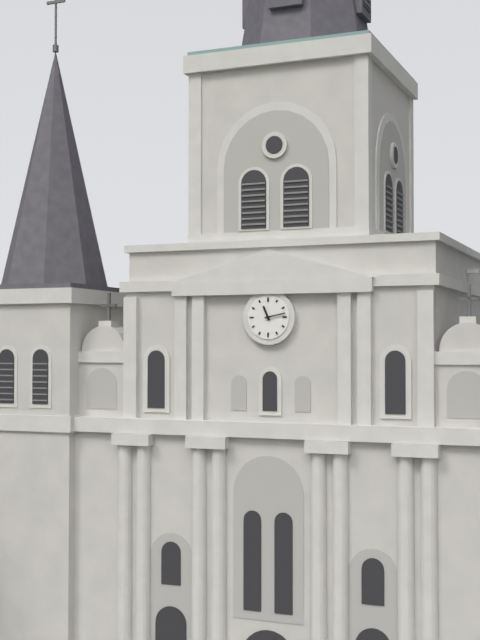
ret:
11:13
